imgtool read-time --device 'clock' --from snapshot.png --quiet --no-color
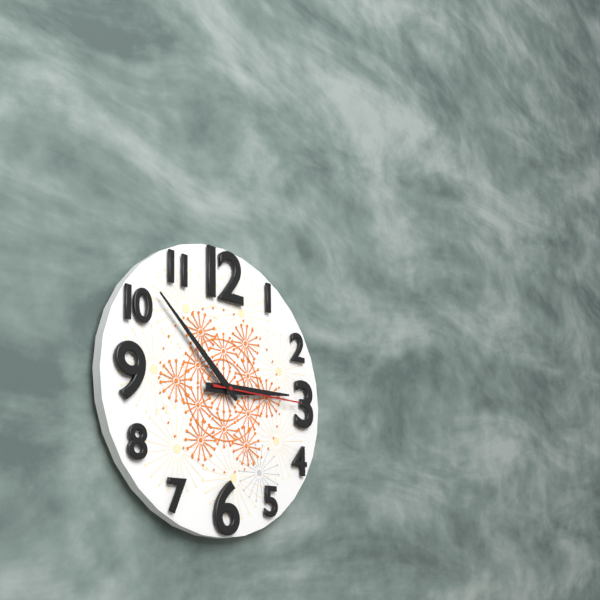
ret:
2:52:15
